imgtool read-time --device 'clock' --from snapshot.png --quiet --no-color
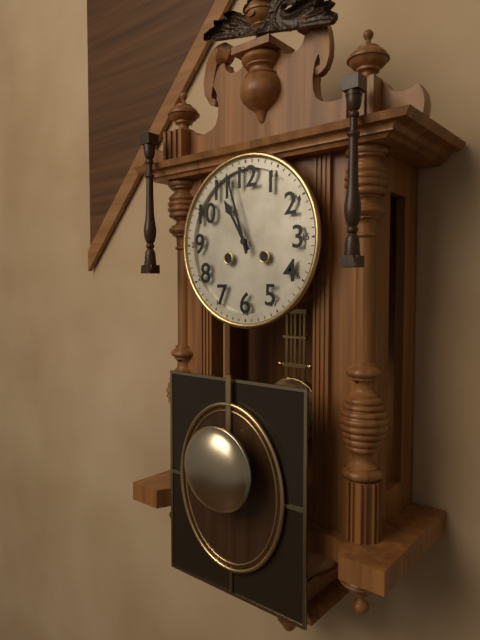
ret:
10:57
